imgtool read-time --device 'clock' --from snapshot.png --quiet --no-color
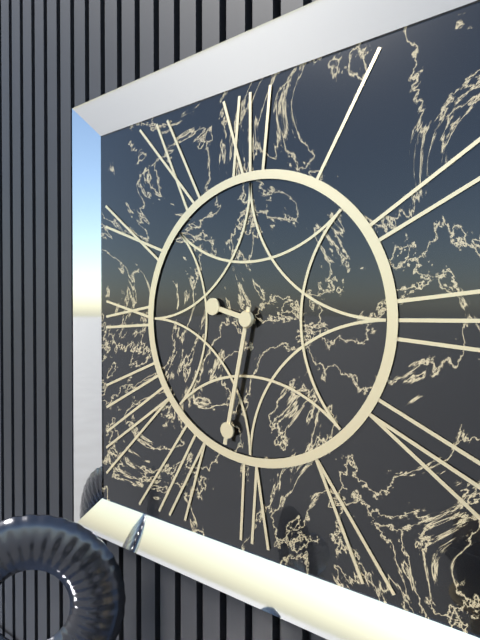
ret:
9:32
